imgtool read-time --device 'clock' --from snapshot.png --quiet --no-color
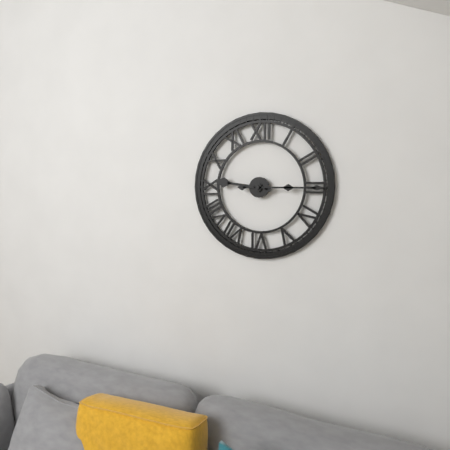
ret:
9:15
